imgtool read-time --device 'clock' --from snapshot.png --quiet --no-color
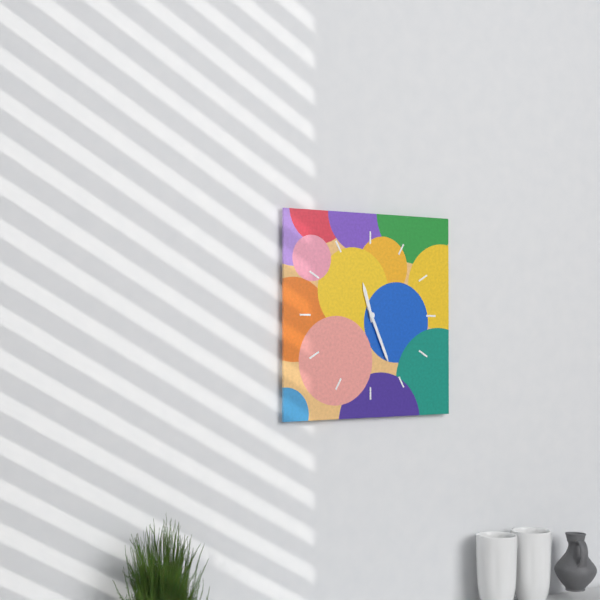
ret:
11:26
